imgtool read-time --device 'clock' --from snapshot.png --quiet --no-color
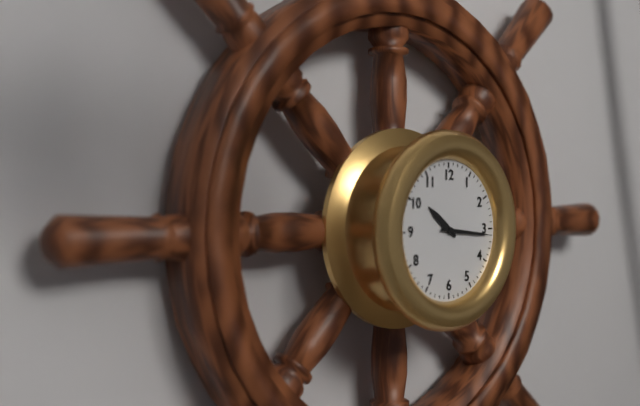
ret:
10:16
